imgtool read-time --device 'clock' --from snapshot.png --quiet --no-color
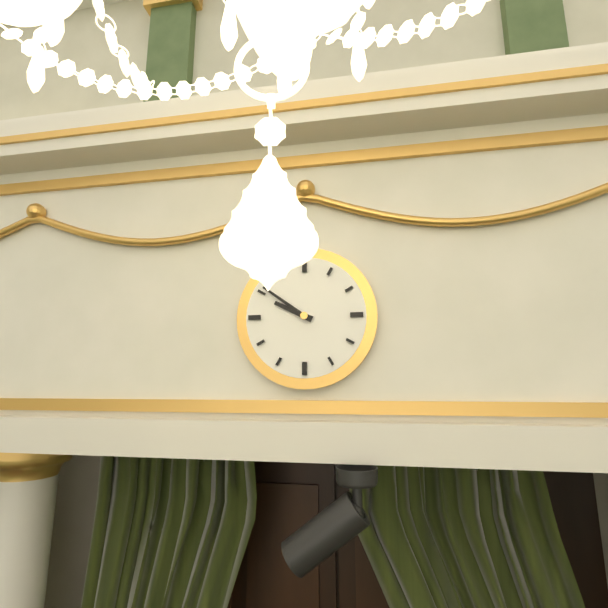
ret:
9:51
